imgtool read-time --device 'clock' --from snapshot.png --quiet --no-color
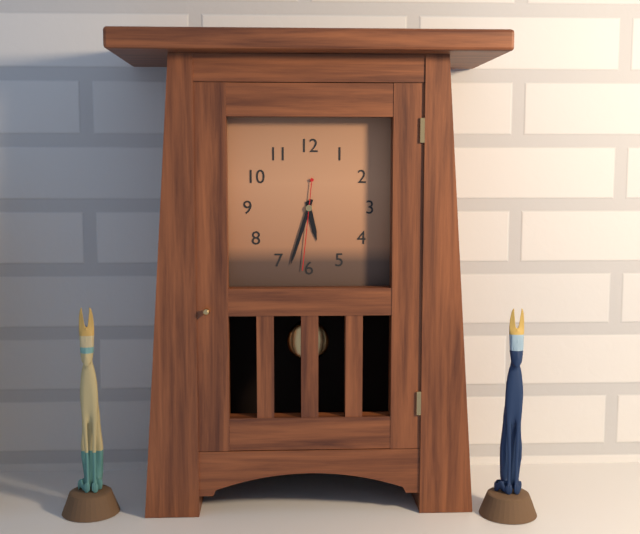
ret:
5:33:31
